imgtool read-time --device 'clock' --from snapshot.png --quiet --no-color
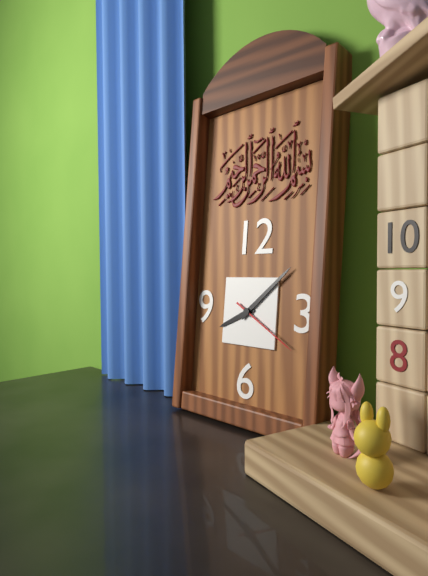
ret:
8:08:20
